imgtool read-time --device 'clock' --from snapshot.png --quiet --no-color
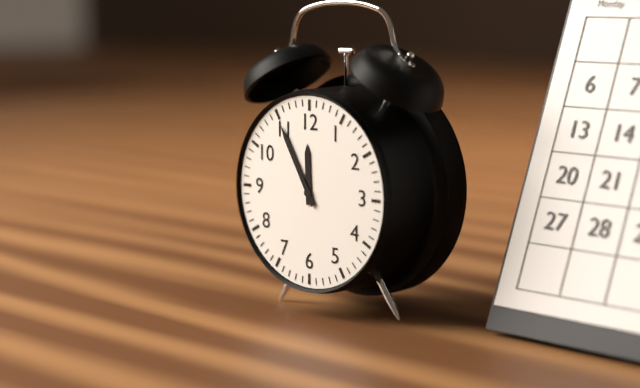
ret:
11:55
